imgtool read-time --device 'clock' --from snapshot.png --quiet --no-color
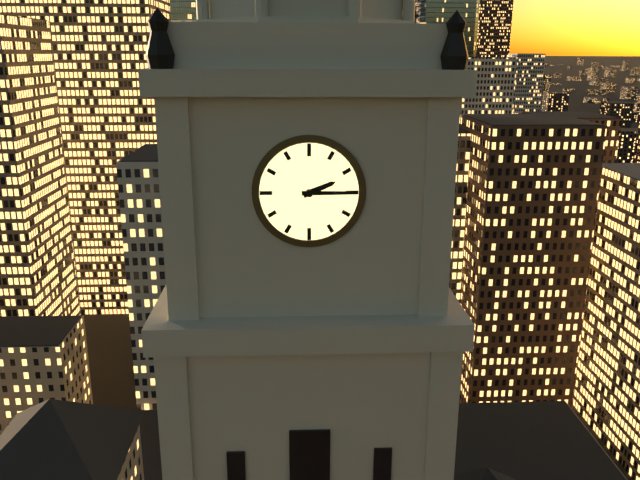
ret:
2:15
